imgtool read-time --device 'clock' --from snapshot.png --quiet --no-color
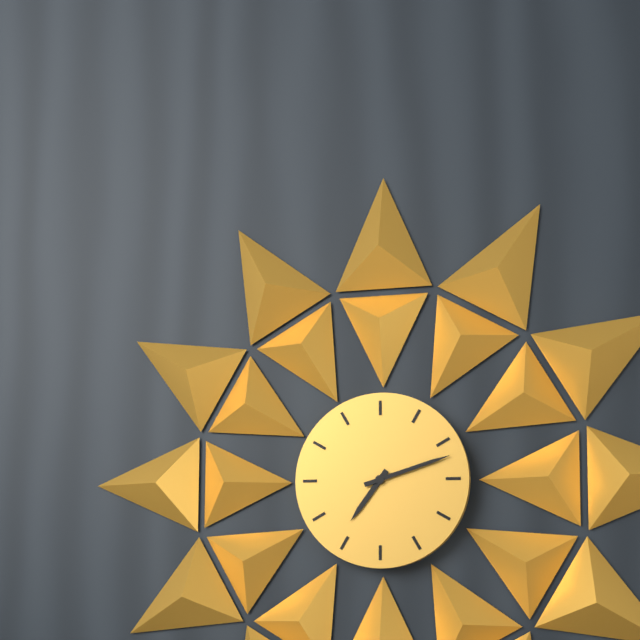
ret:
7:12
